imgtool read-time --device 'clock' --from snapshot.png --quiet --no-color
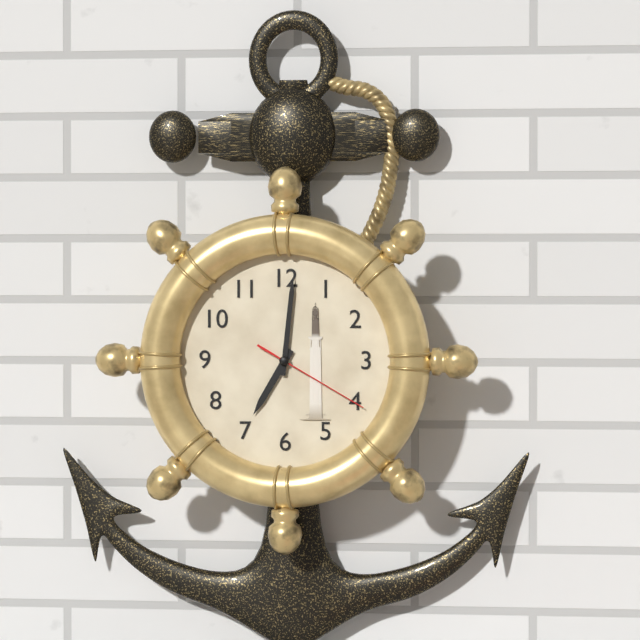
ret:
7:01:20
